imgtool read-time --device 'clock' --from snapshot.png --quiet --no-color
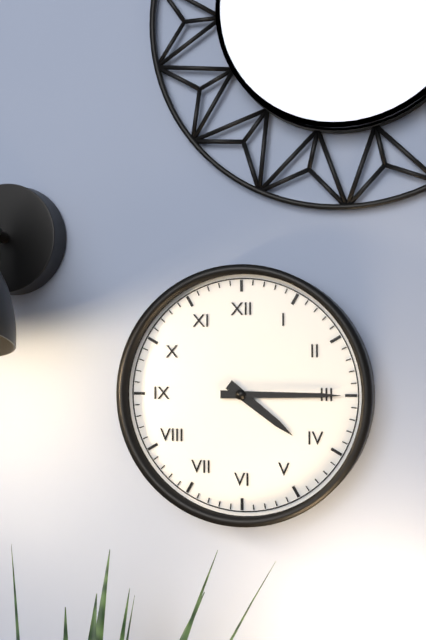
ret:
4:15
